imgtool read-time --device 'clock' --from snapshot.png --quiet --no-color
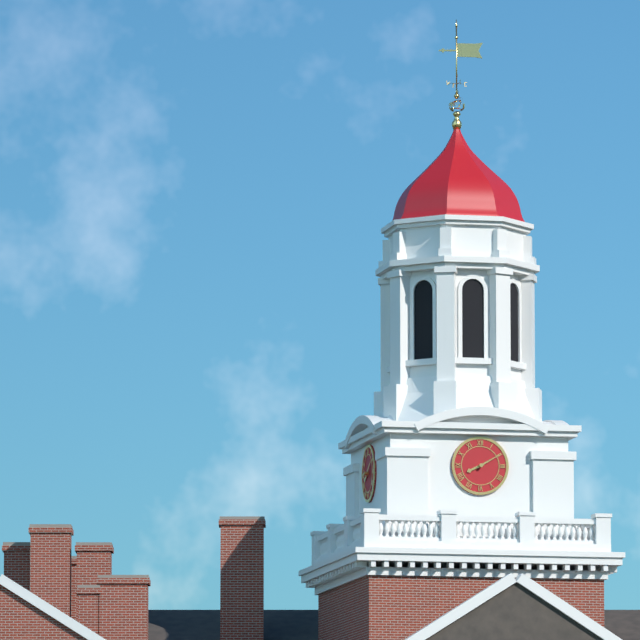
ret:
8:10
